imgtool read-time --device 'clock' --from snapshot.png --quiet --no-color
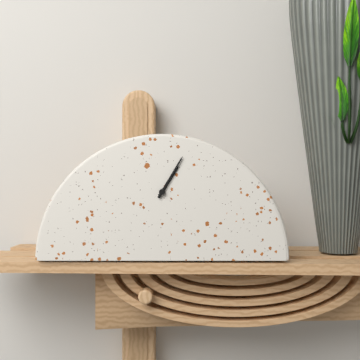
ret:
1:05
